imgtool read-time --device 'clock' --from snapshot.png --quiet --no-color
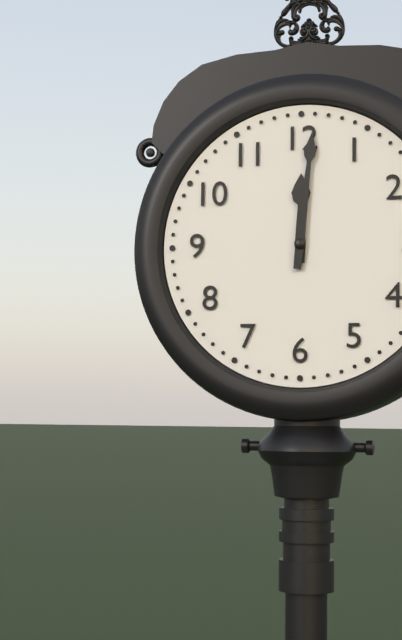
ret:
12:01
